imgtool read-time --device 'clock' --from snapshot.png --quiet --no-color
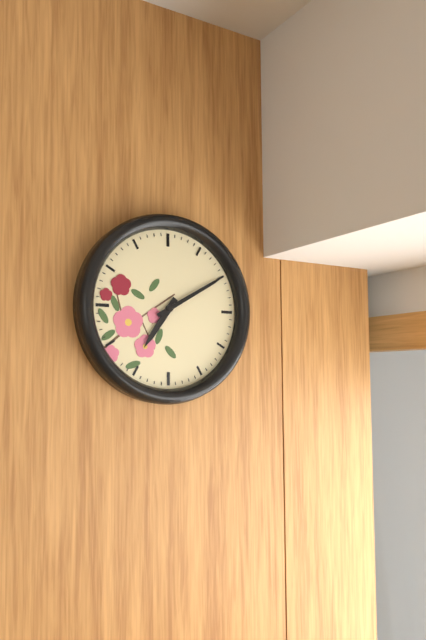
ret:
7:10
